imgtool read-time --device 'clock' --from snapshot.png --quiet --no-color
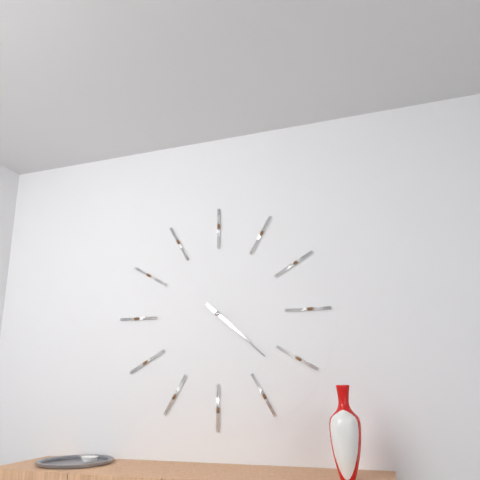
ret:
4:22
